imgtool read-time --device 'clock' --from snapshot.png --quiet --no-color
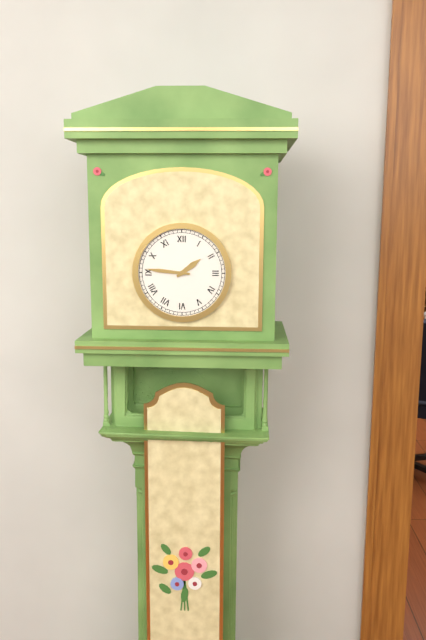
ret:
1:46
